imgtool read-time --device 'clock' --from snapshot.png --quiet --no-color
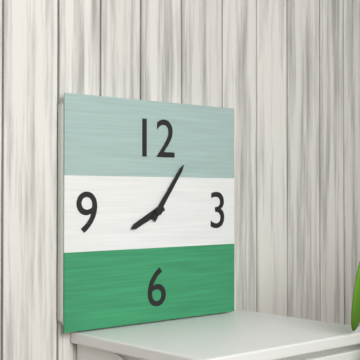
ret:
8:06
